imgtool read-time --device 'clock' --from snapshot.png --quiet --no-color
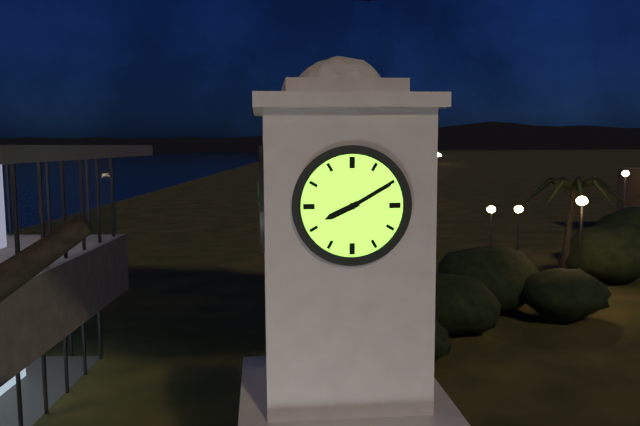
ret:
8:10
